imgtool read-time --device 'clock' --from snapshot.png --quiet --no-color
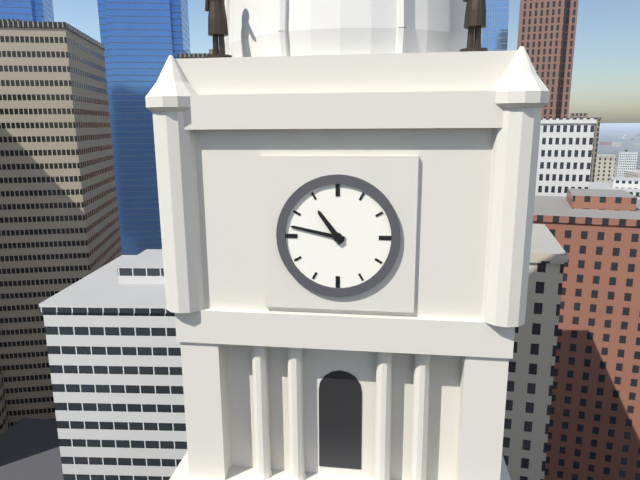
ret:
10:47
